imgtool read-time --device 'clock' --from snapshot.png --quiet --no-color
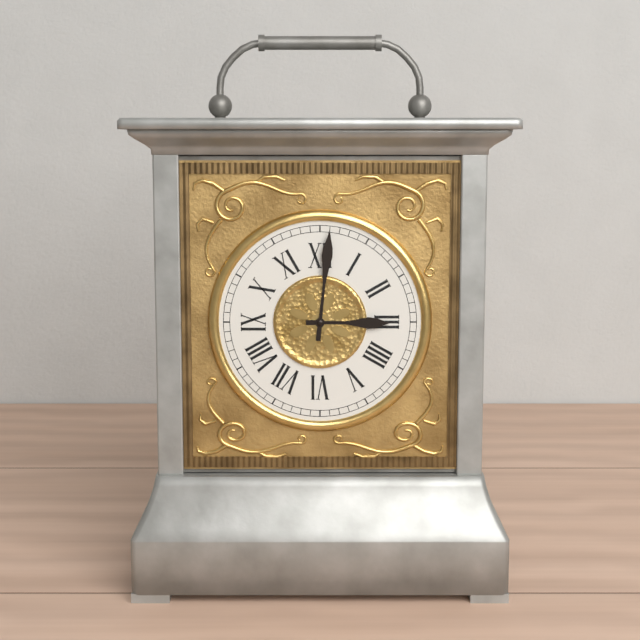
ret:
3:01
